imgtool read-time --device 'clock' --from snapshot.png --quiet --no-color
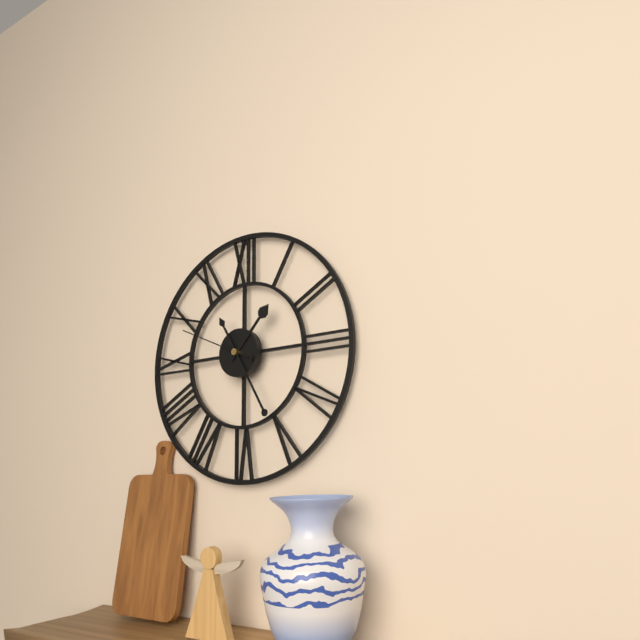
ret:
1:25:49
